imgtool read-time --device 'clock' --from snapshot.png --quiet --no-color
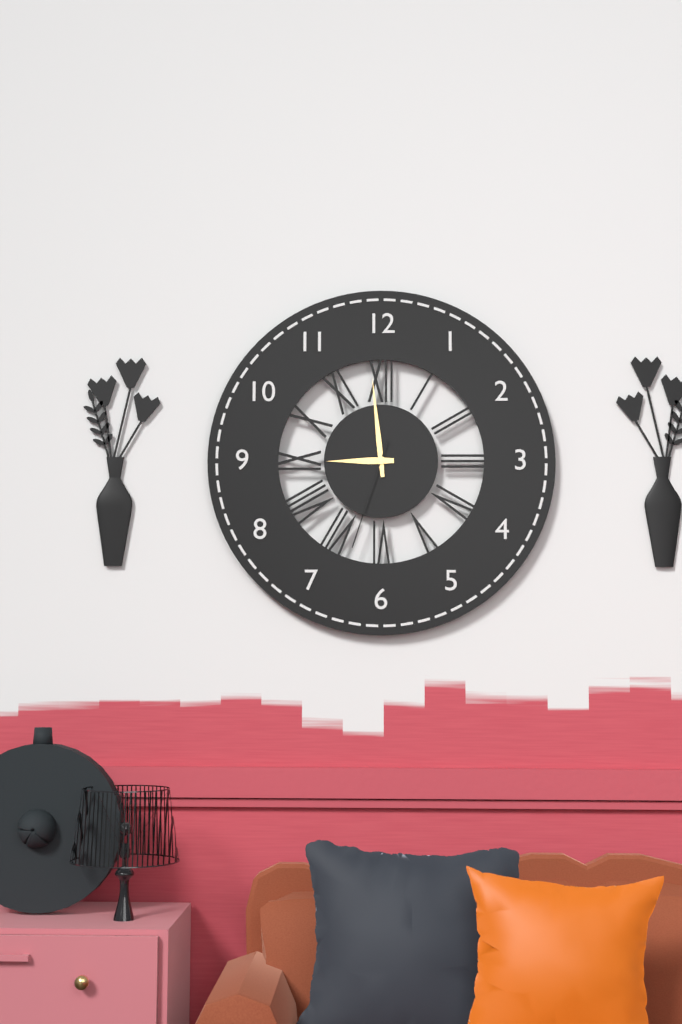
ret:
8:59:33
